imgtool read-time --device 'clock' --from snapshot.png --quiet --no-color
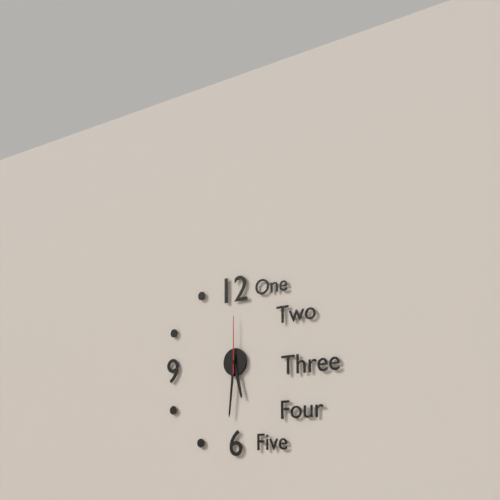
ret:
5:31:00
